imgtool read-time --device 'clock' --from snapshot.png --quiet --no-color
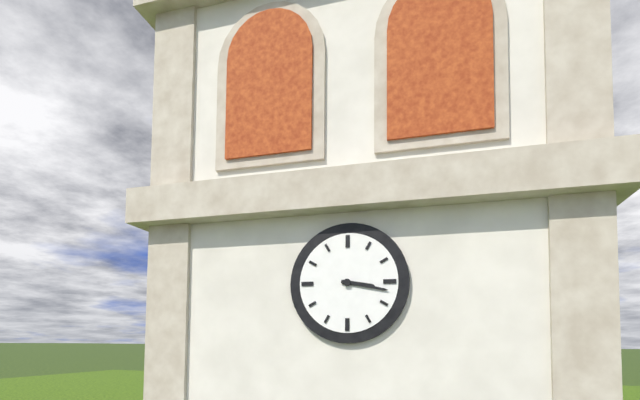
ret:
3:17
